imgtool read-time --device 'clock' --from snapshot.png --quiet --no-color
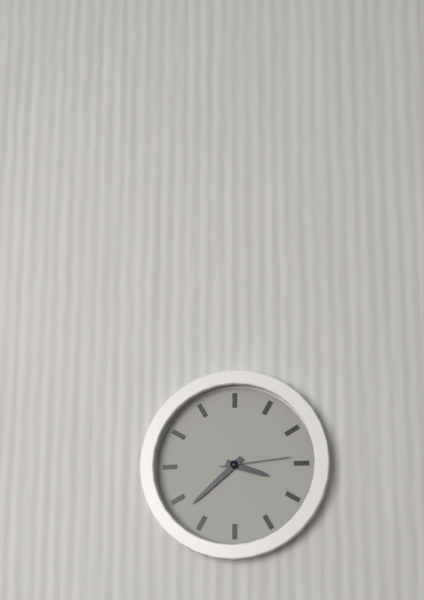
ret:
3:38:14
